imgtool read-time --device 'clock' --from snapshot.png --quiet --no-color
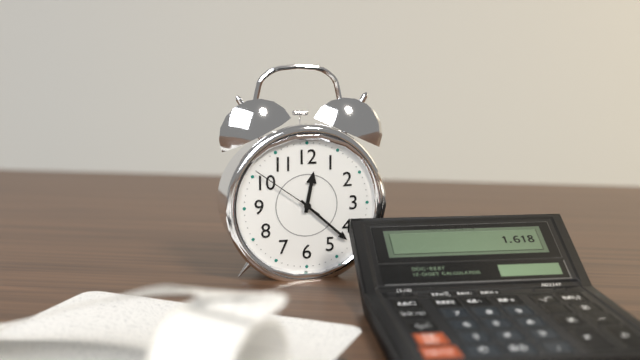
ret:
12:22:51
